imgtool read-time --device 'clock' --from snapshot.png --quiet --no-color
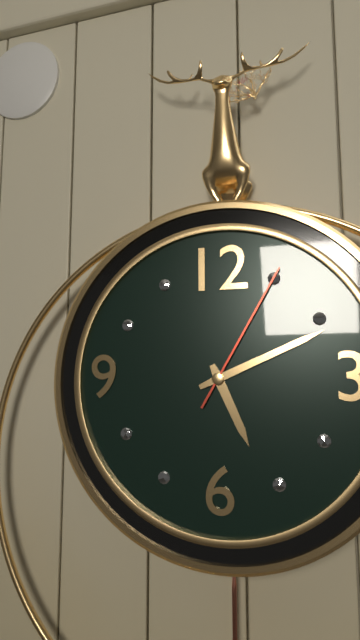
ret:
5:11:05
